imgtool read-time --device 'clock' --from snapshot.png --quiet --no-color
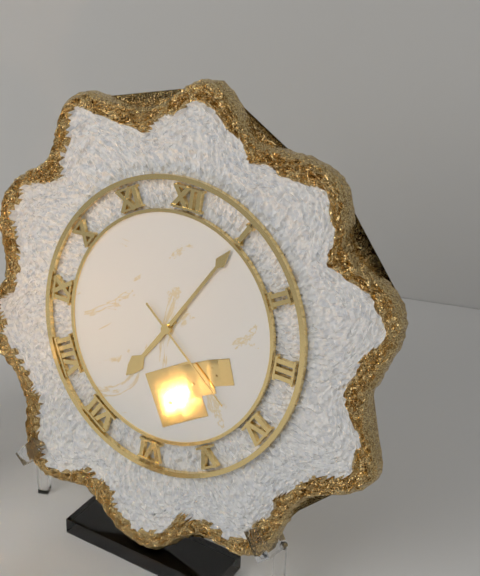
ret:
7:05:21
